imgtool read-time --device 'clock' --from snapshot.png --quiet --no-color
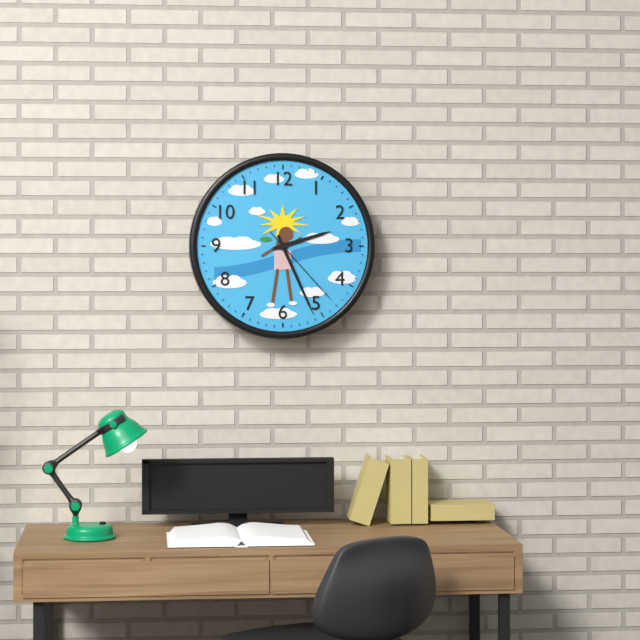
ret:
2:26:23
